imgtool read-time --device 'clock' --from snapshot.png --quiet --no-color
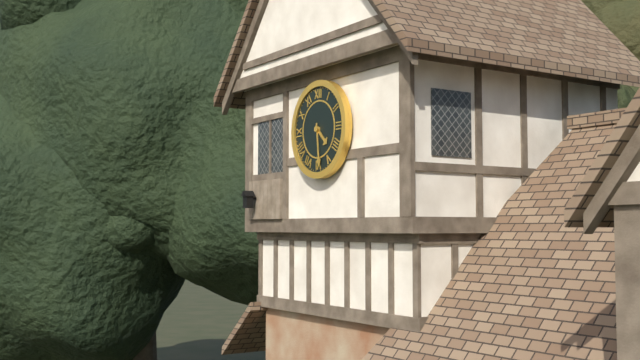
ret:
4:29
